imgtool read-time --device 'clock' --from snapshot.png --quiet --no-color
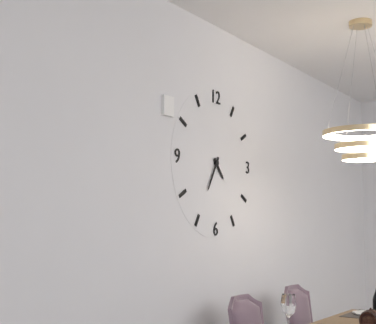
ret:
4:35
